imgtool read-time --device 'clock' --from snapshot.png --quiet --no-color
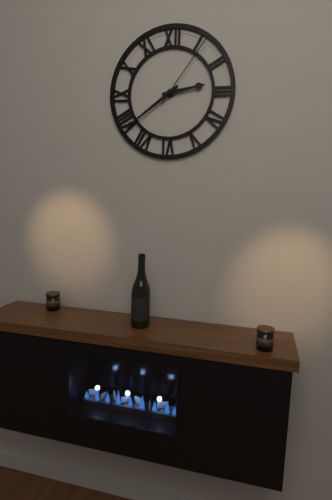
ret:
2:39:06
